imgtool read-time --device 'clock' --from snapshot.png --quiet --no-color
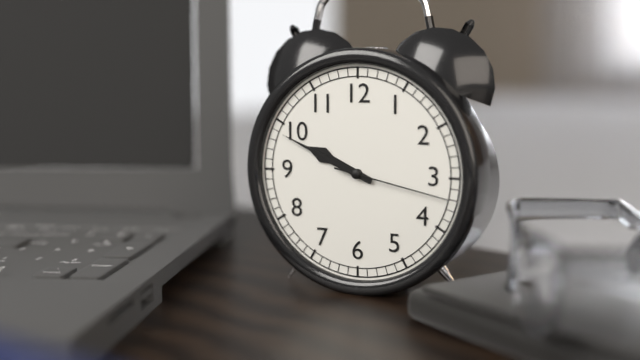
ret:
9:49:17
